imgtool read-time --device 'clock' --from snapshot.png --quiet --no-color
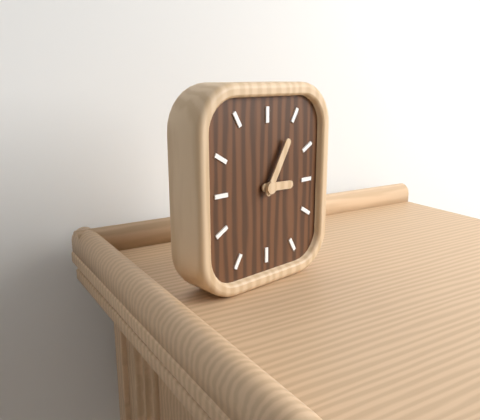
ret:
3:05
